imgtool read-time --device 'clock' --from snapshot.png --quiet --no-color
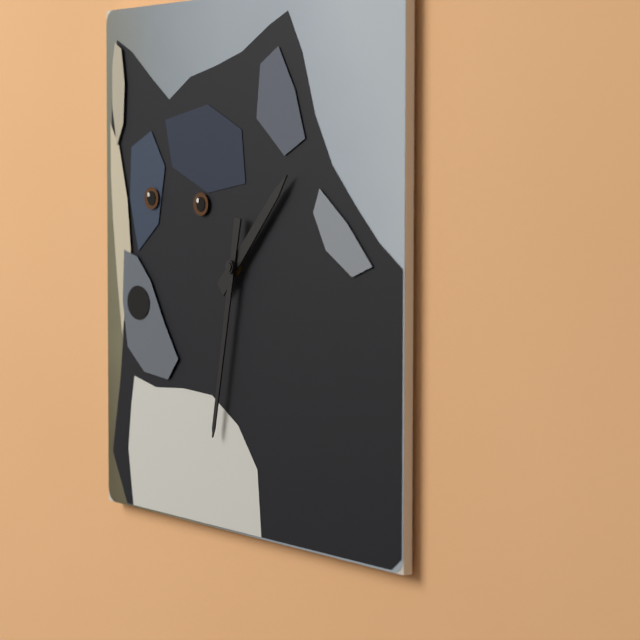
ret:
1:32
